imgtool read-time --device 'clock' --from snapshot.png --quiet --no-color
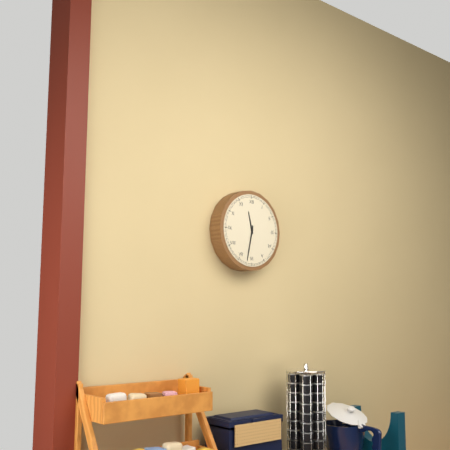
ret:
11:32
